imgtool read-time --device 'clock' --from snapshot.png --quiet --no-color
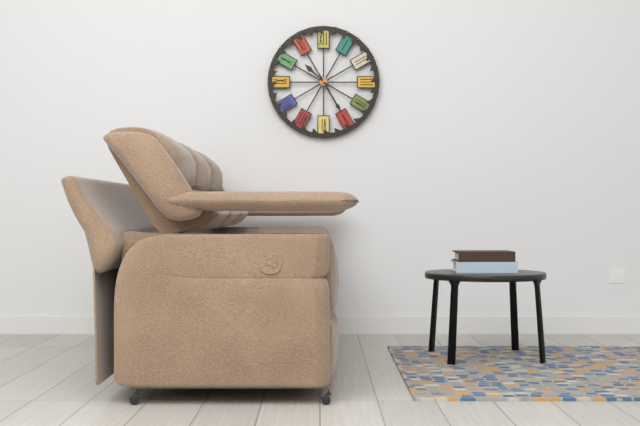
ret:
10:25
